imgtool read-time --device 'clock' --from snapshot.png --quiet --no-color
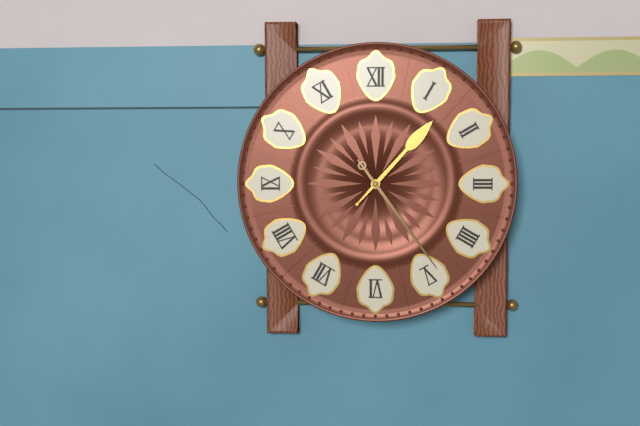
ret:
1:24
